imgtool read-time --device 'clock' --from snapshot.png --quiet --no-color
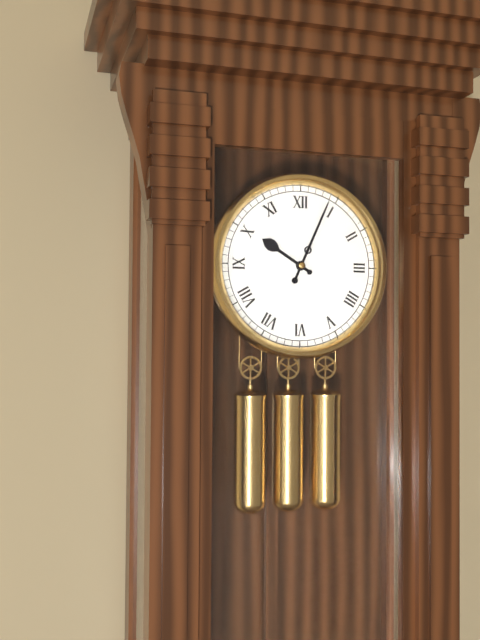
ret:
10:04
